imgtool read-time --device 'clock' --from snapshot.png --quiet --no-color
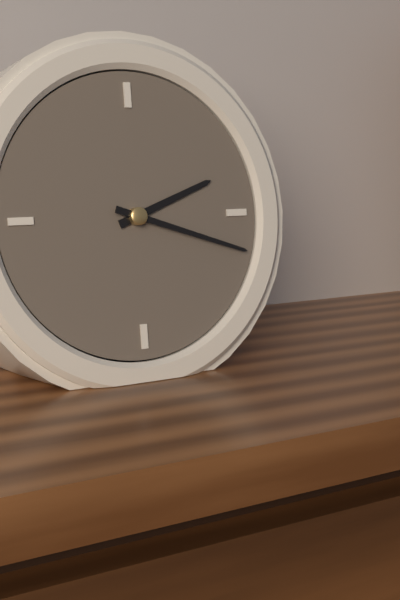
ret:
2:18
